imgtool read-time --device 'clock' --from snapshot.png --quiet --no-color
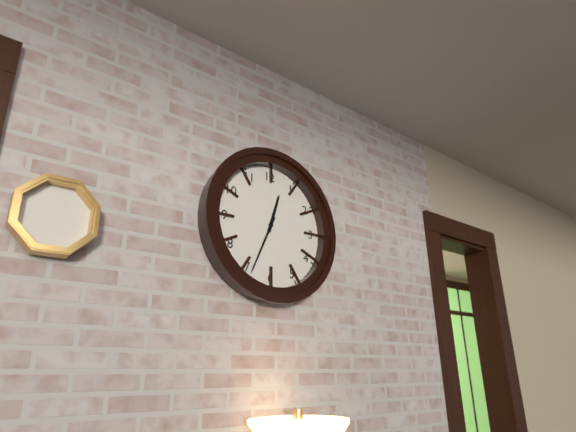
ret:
12:34
